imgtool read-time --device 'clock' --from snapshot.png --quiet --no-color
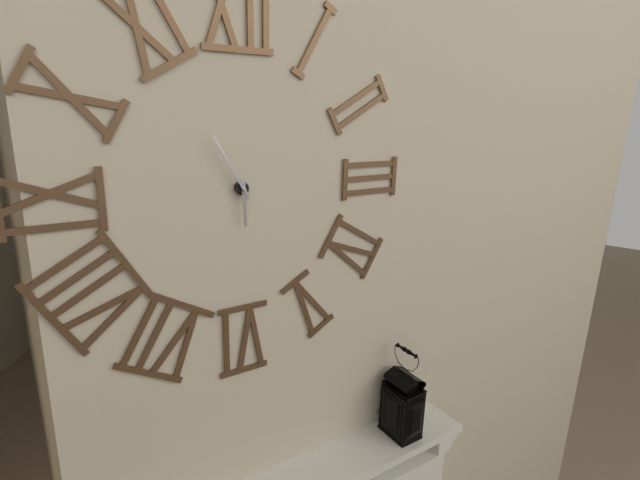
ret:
5:55
